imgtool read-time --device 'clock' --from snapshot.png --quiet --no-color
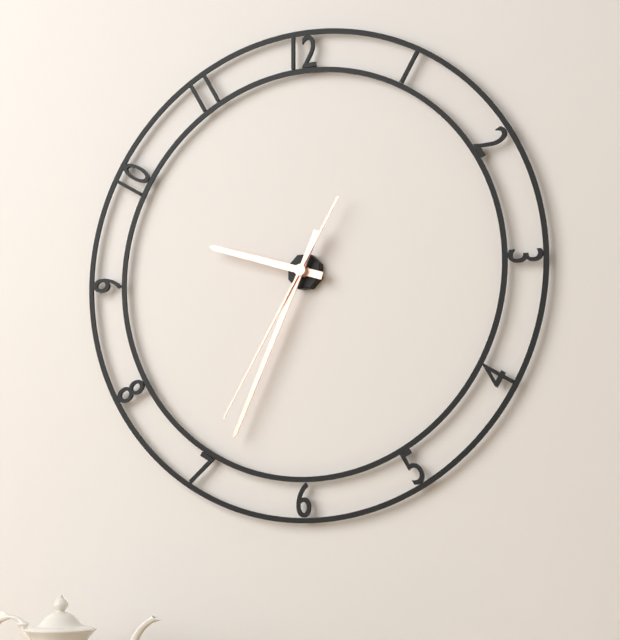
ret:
9:34:35
